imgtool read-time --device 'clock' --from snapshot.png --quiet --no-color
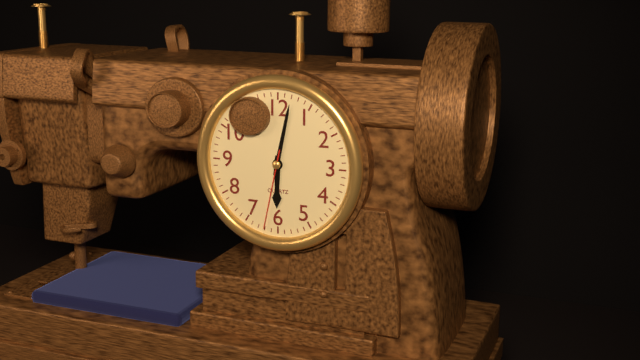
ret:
6:02:32
